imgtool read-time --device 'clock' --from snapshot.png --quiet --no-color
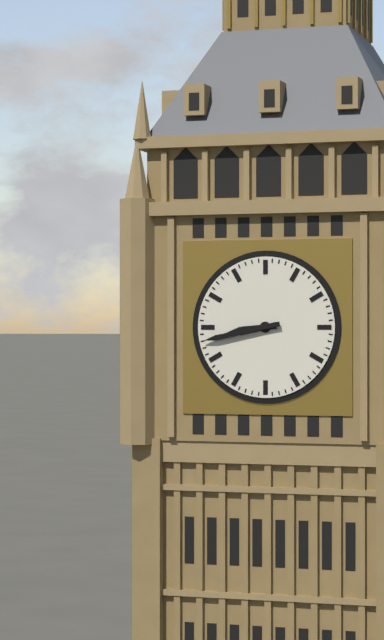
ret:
8:43
